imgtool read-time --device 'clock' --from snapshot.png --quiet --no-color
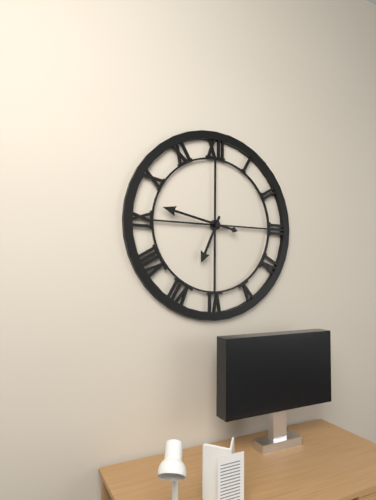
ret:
6:47
